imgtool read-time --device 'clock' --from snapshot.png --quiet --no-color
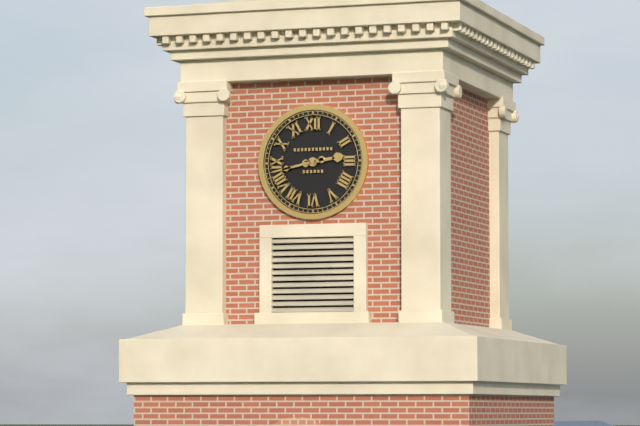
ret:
2:43
